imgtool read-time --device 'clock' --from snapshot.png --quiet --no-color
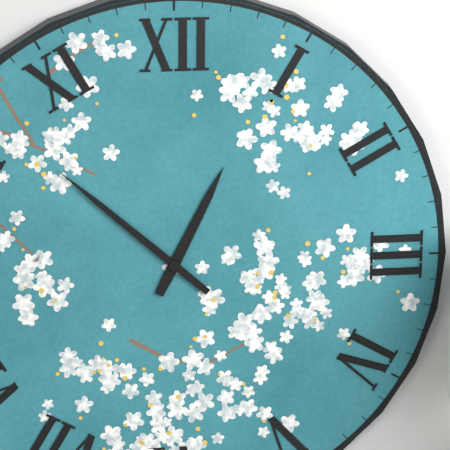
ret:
12:52
